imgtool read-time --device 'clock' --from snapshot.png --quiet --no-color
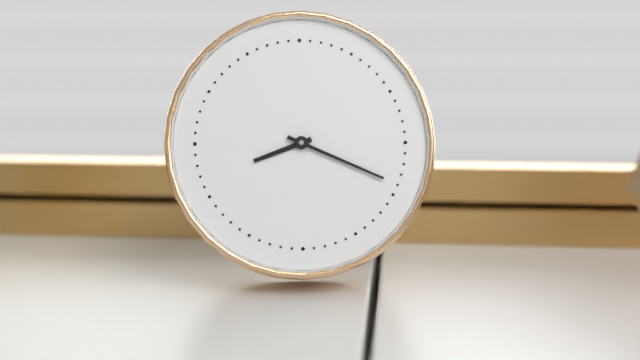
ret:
8:19
